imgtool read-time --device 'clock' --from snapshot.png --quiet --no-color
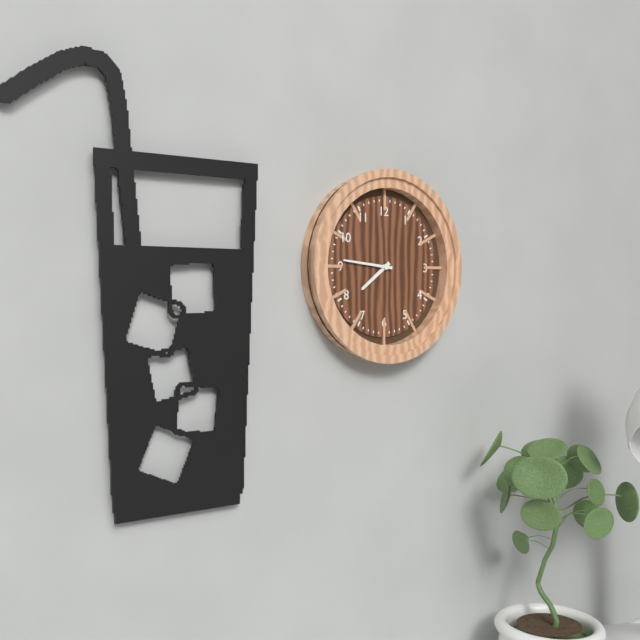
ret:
7:46
